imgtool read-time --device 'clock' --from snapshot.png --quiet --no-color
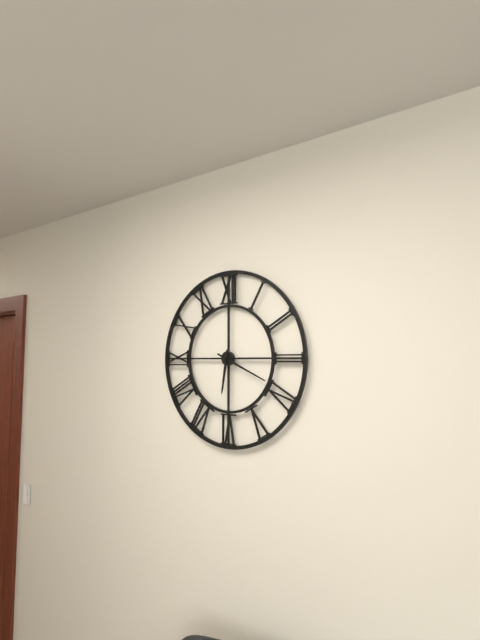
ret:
6:19
